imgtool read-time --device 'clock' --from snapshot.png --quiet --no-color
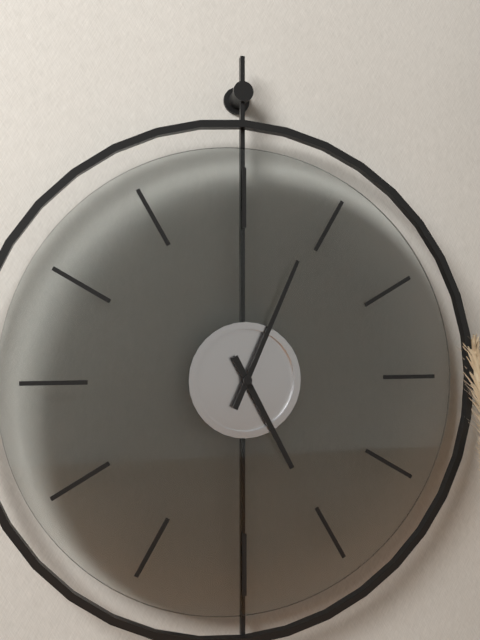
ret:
5:04
